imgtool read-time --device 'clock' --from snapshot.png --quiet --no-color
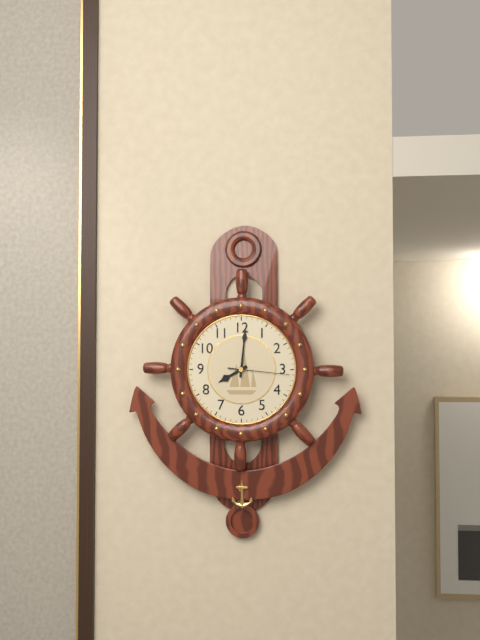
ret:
8:01:16
